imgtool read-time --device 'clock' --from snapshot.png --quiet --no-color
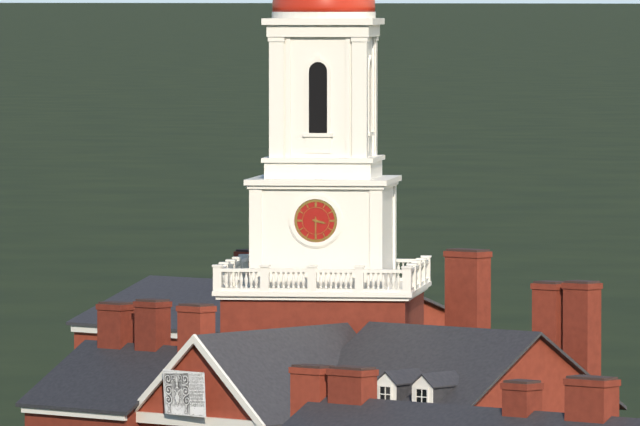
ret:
3:30
